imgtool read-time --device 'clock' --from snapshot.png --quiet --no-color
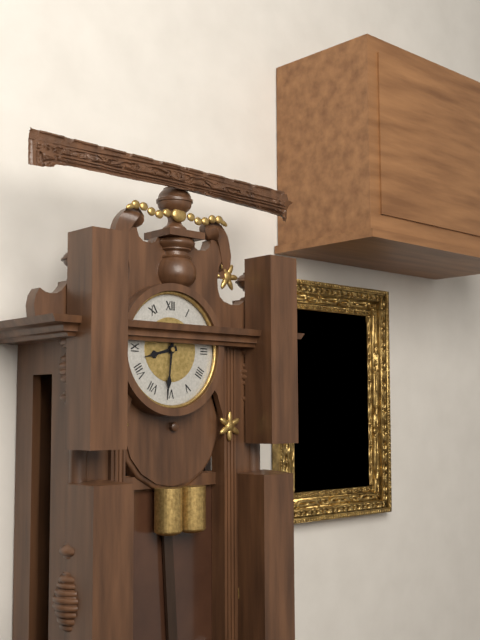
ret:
8:31
